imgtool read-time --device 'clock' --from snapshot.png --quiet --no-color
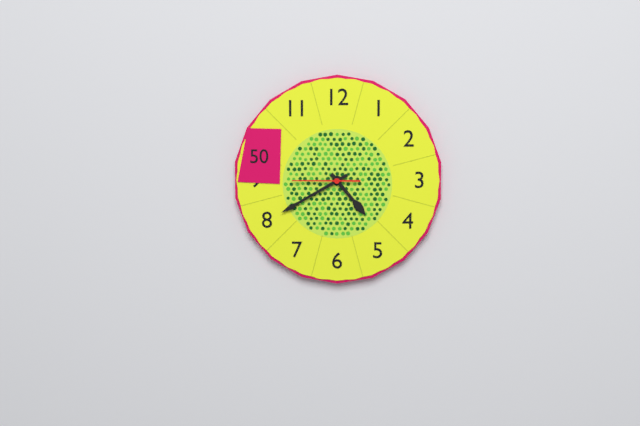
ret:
4:40:45
